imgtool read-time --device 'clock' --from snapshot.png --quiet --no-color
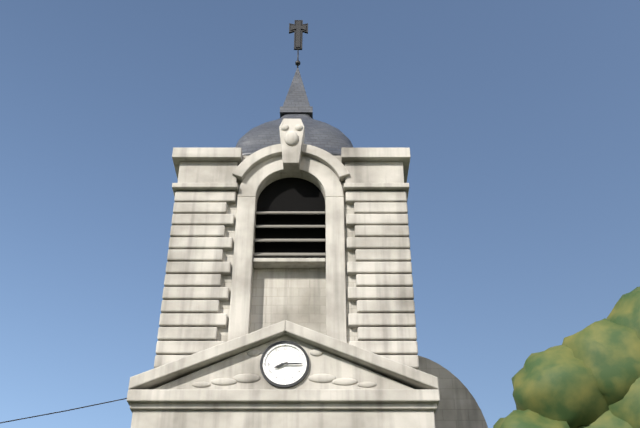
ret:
8:15
